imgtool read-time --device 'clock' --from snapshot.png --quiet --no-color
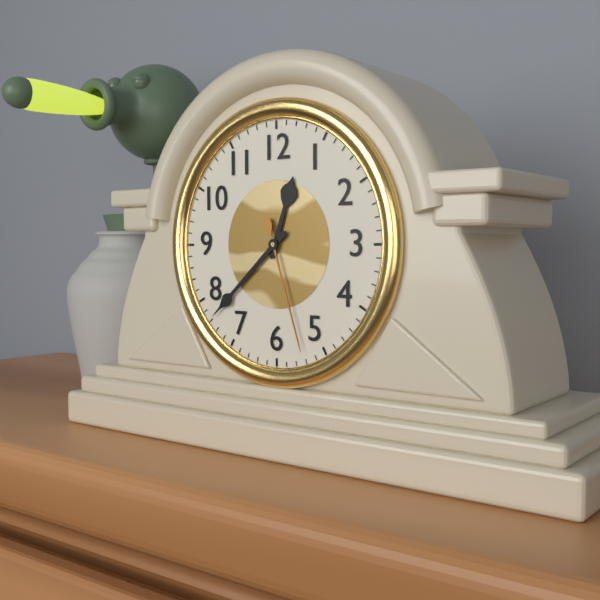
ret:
12:38:27
